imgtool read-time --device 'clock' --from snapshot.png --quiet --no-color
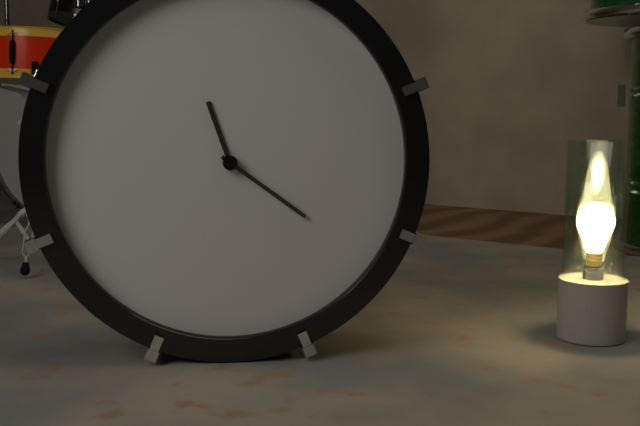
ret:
11:21
